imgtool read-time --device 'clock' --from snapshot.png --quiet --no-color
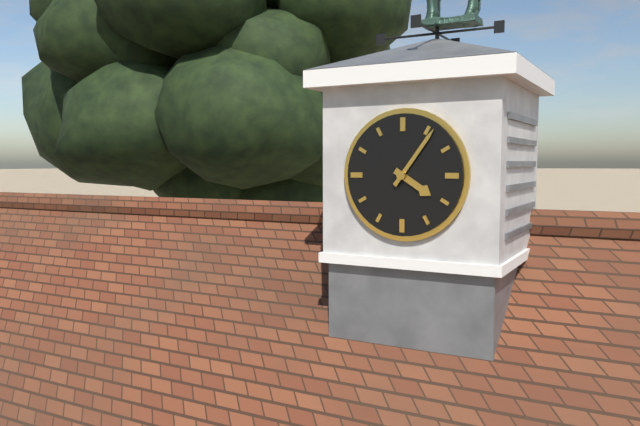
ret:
4:06
